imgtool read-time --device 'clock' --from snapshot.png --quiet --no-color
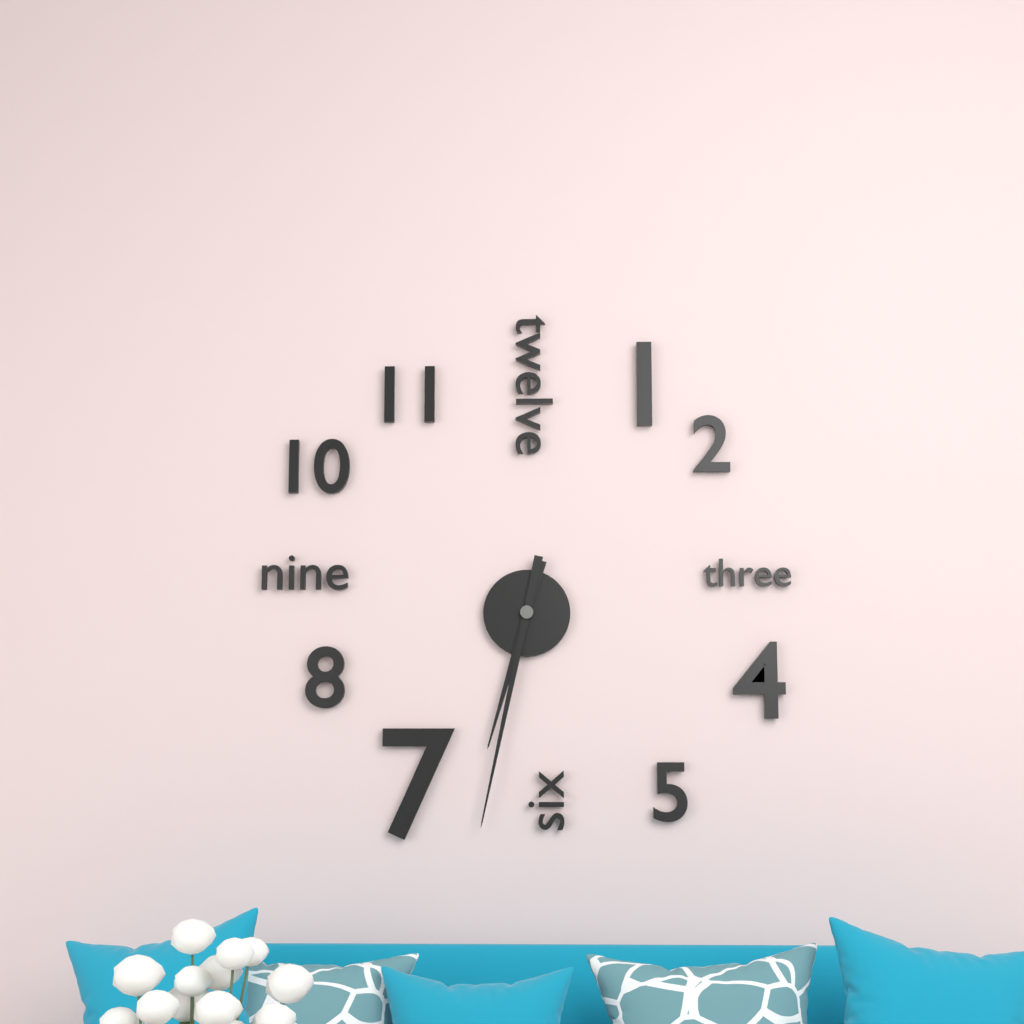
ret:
6:32
